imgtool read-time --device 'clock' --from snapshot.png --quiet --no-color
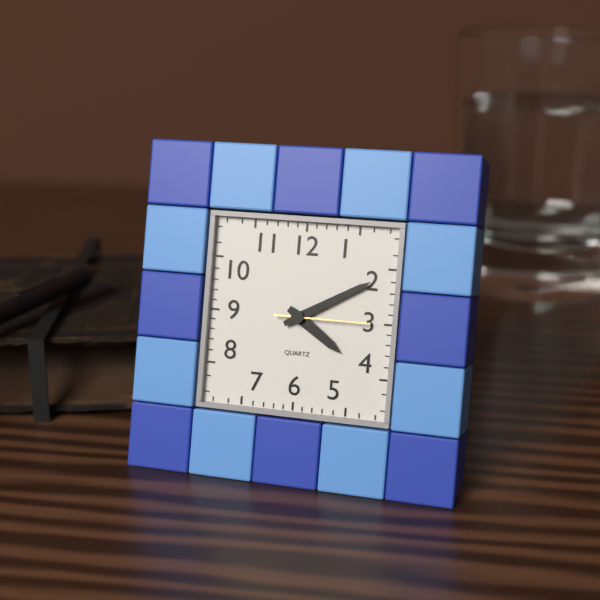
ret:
4:10:15
